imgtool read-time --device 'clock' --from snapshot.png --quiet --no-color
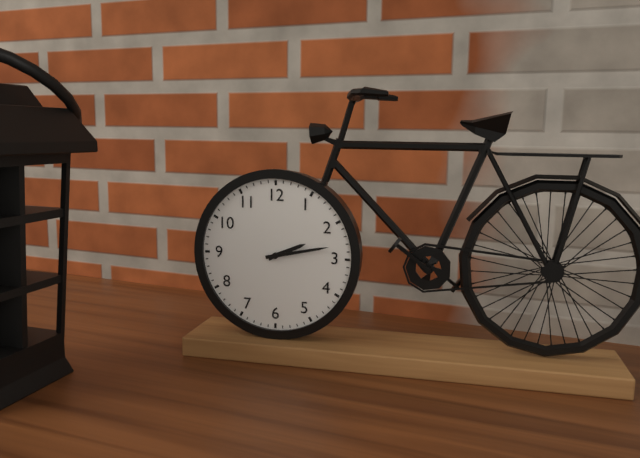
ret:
2:13
